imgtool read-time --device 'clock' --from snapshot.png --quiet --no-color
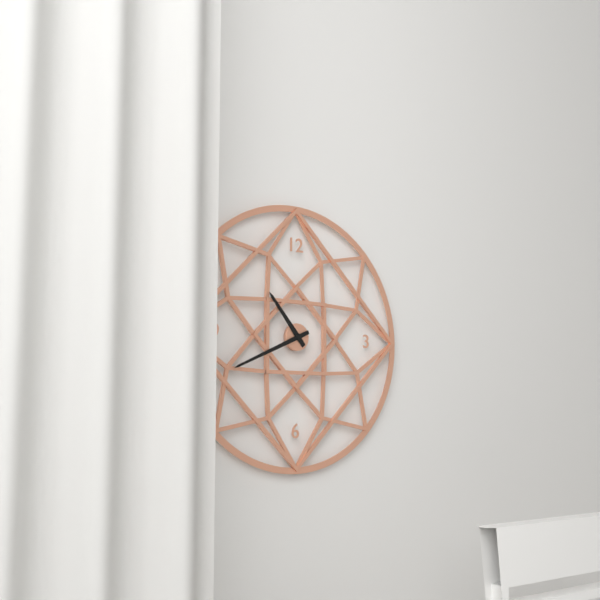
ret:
10:41
